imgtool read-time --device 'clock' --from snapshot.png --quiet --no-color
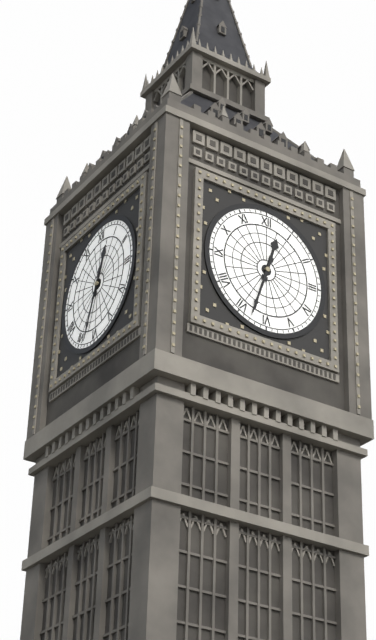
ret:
12:33
